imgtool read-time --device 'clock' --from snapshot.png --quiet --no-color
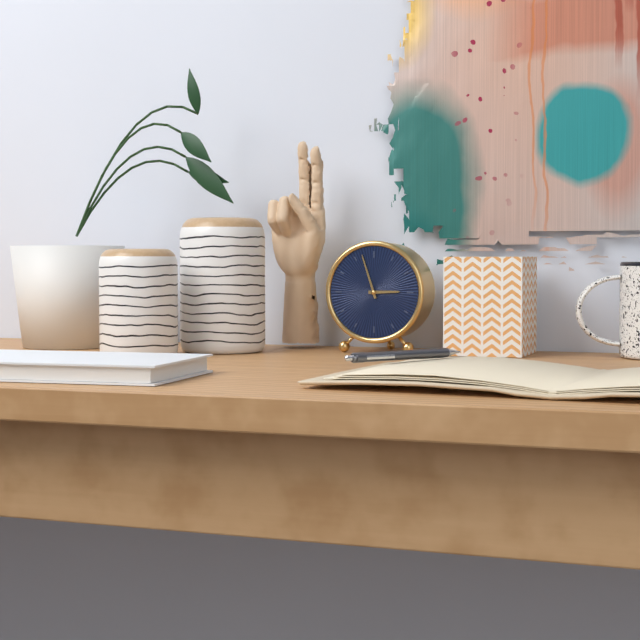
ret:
2:57
